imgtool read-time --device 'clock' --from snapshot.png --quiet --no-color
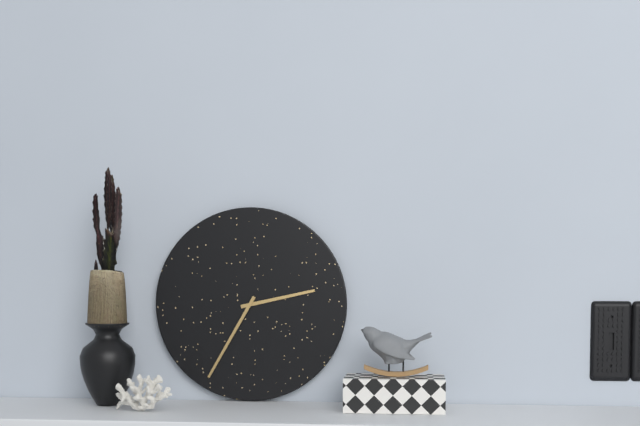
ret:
2:35
